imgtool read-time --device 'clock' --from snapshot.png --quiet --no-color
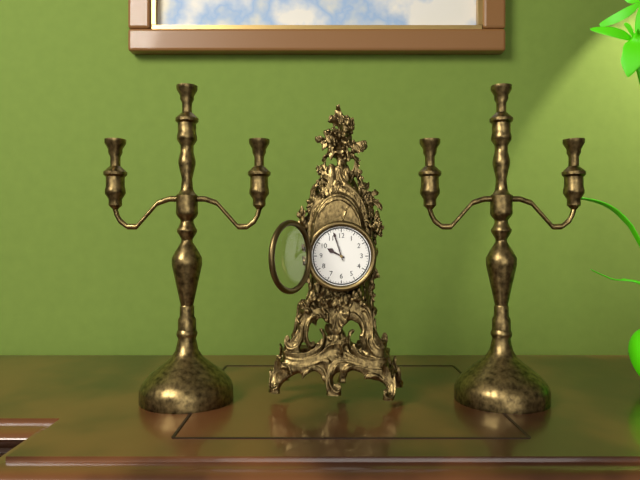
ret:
9:57
